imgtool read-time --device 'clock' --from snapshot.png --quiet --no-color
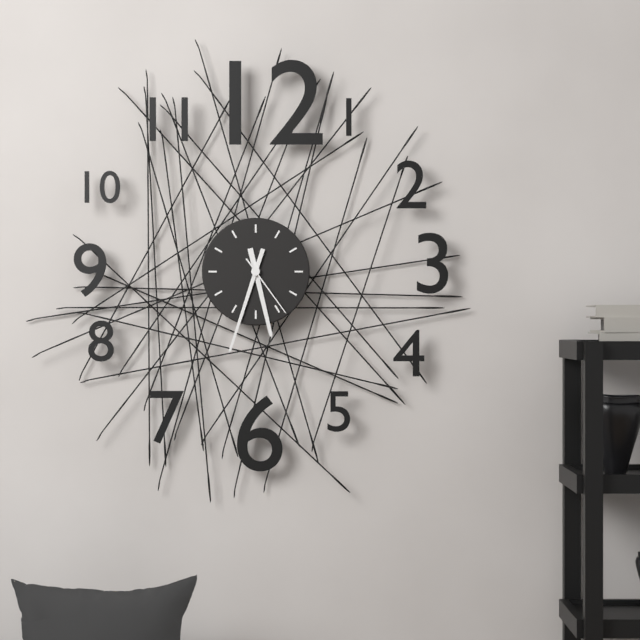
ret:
5:33:24
